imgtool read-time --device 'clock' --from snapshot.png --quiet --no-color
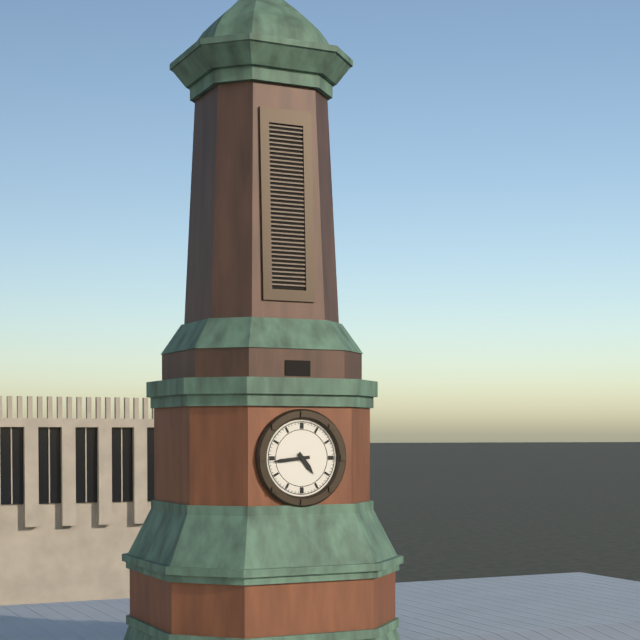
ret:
4:44
